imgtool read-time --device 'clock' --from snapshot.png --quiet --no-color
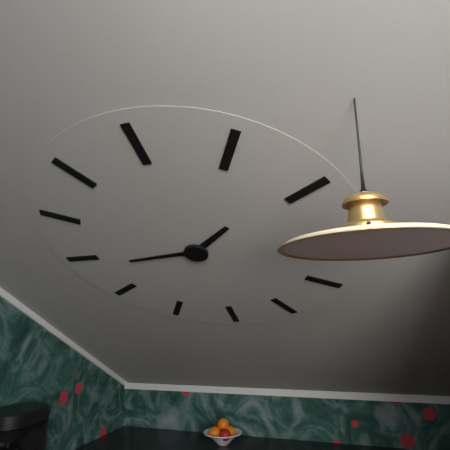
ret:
1:44
